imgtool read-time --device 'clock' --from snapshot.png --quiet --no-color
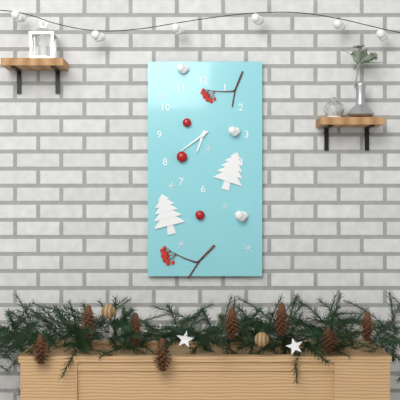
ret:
6:39
